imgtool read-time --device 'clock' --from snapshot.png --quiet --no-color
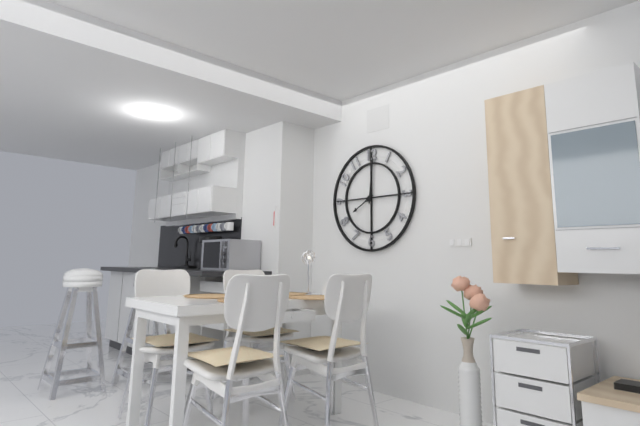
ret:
8:01
